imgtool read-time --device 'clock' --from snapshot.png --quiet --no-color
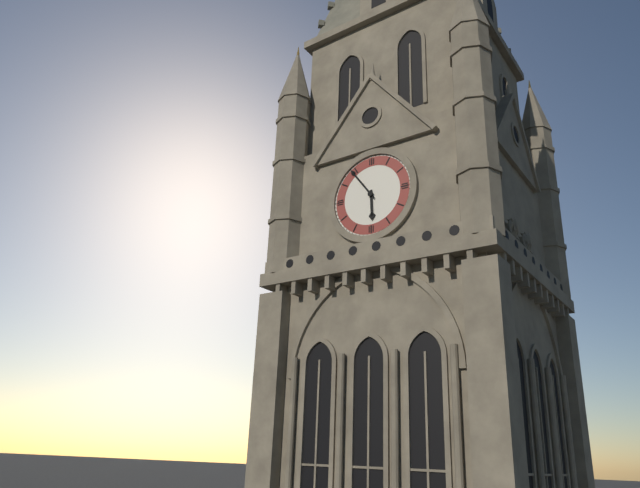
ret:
5:54
